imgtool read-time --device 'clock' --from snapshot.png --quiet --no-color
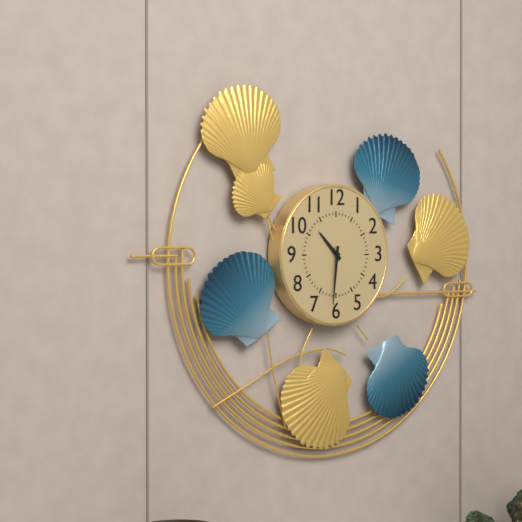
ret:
10:31
